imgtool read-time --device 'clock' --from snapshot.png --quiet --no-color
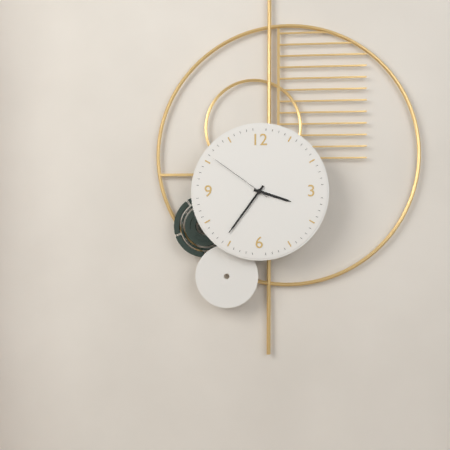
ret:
3:36:51
